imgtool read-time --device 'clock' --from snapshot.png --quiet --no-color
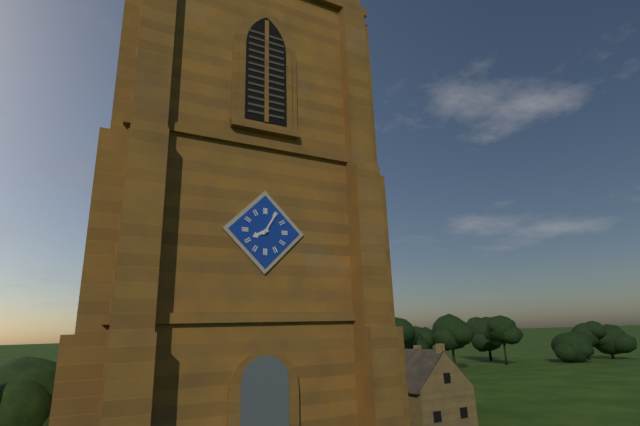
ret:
8:05
